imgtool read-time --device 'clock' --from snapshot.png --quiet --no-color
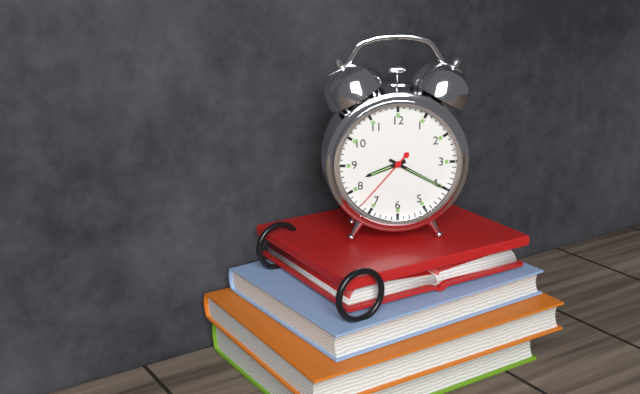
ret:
8:20:37
